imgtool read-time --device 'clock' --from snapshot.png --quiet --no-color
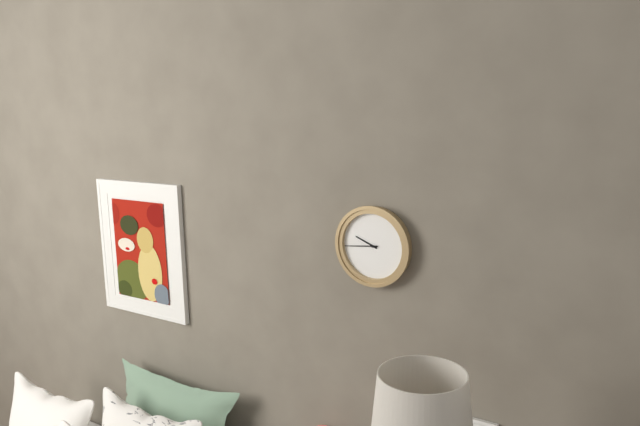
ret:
9:44
